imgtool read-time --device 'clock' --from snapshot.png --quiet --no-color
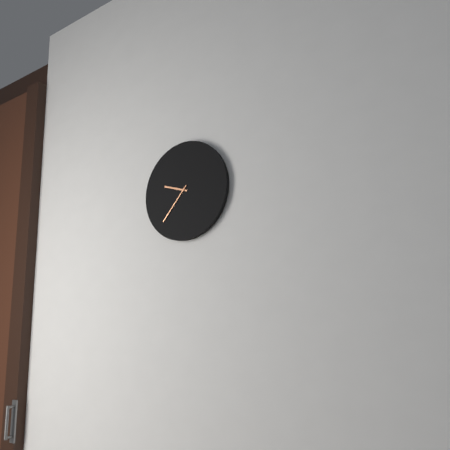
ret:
9:37
